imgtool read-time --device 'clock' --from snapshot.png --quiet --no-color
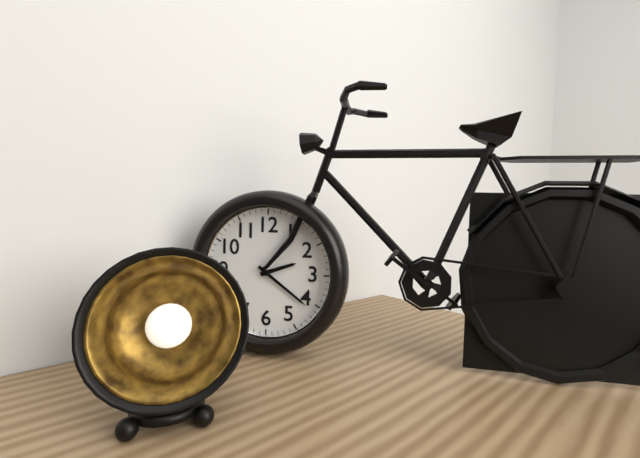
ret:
2:21
